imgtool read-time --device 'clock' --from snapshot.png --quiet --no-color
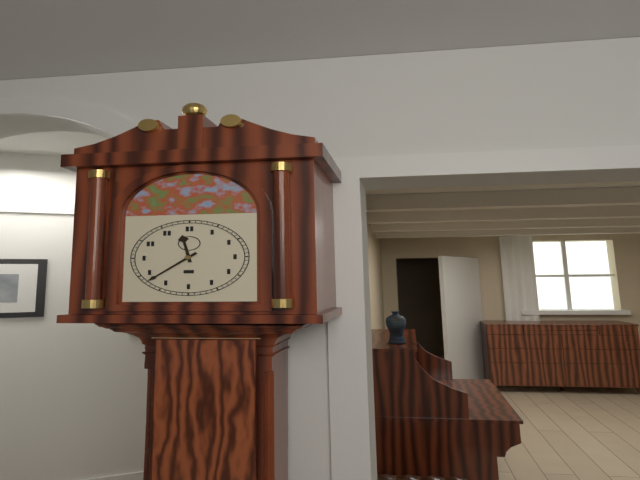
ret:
11:38
